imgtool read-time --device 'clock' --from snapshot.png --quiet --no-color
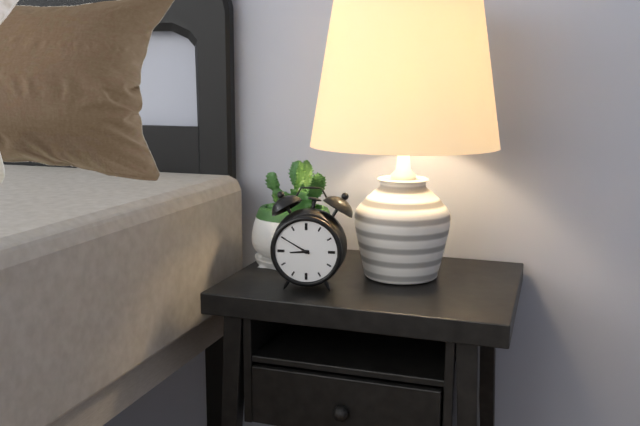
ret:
8:50
